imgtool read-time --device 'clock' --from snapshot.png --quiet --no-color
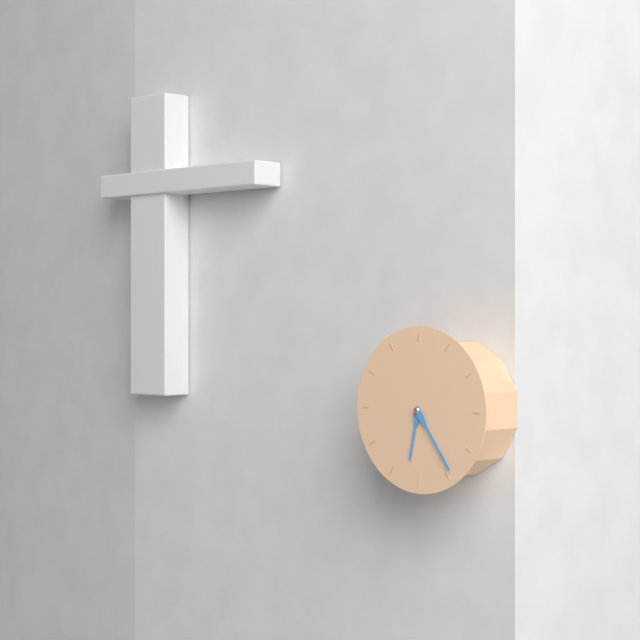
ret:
6:24
